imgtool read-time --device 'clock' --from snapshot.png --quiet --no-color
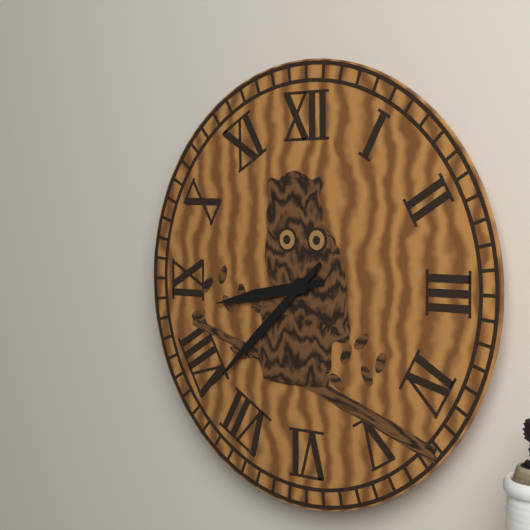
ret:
8:38
